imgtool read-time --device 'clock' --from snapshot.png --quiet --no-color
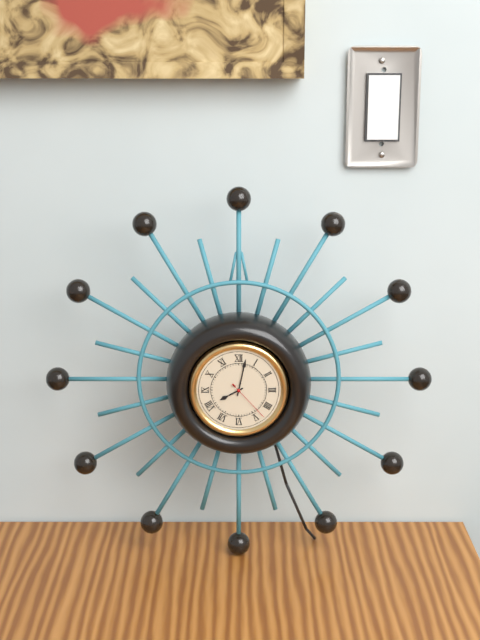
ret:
8:02:23
